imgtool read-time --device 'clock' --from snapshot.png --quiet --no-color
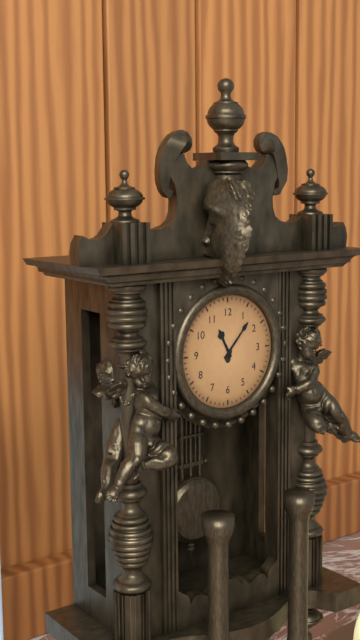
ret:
11:07
